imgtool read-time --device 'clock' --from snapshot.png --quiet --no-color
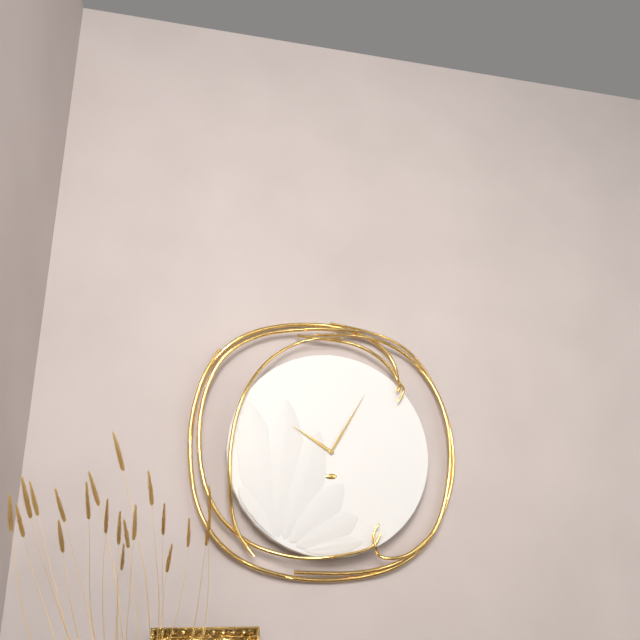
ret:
10:05
